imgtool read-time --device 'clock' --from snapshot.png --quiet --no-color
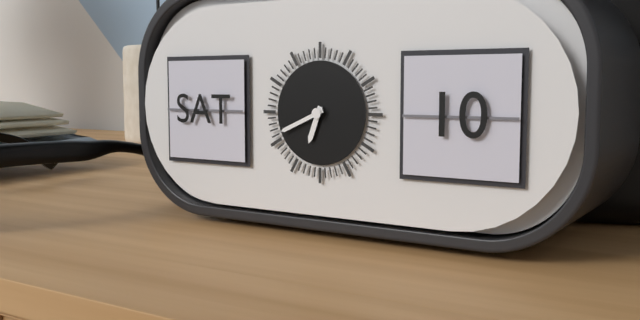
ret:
6:41
